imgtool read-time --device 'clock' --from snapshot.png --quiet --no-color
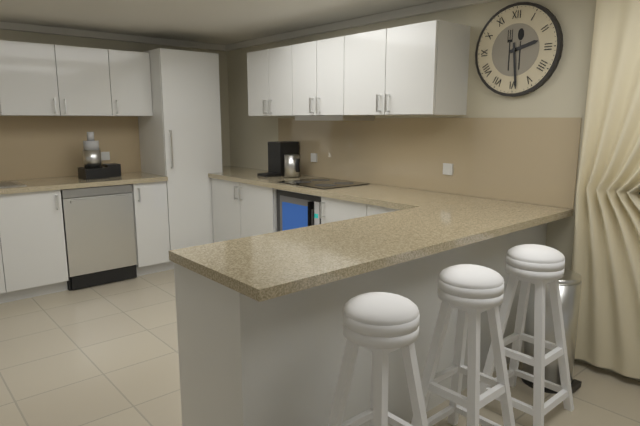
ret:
2:29
